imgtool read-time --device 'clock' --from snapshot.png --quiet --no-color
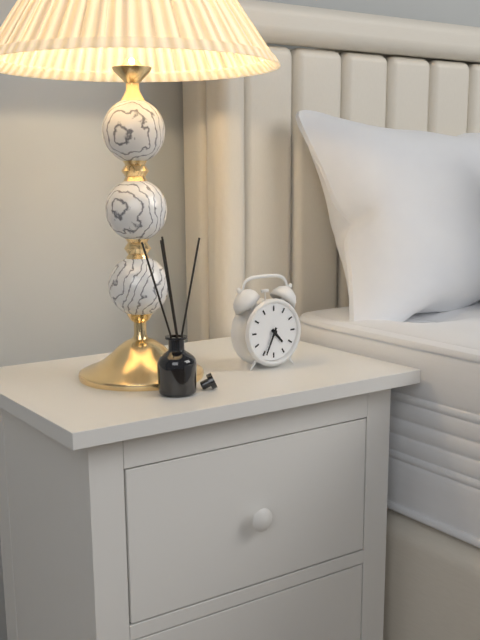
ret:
4:34
